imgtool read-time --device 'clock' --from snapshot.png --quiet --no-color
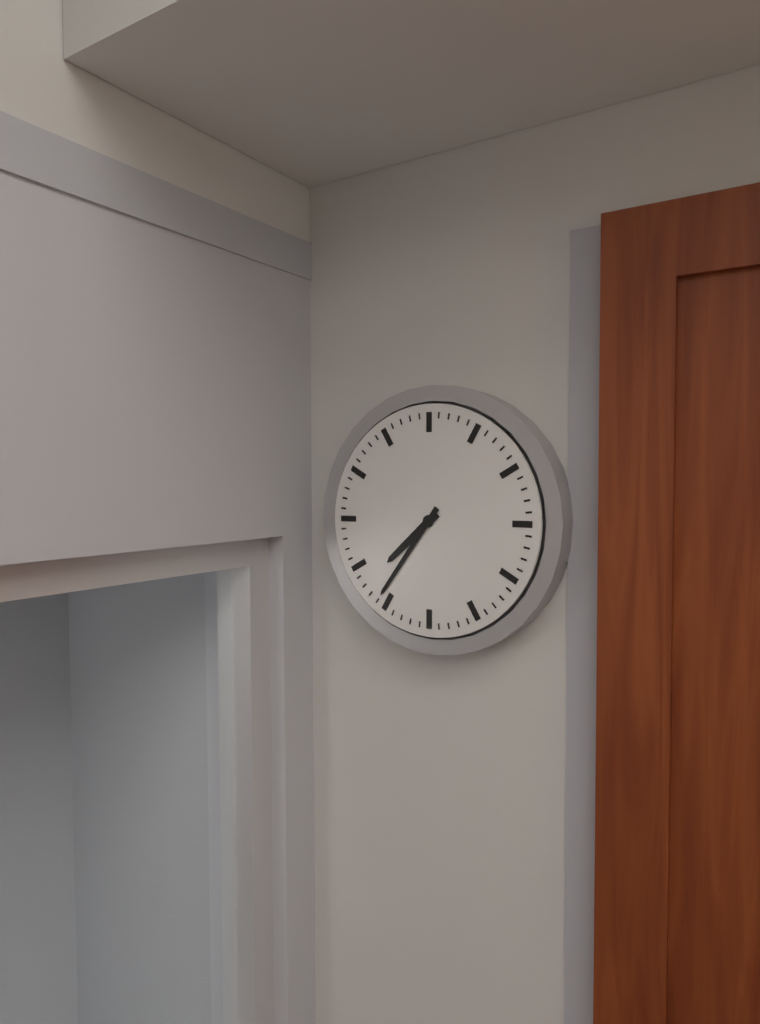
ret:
7:36
